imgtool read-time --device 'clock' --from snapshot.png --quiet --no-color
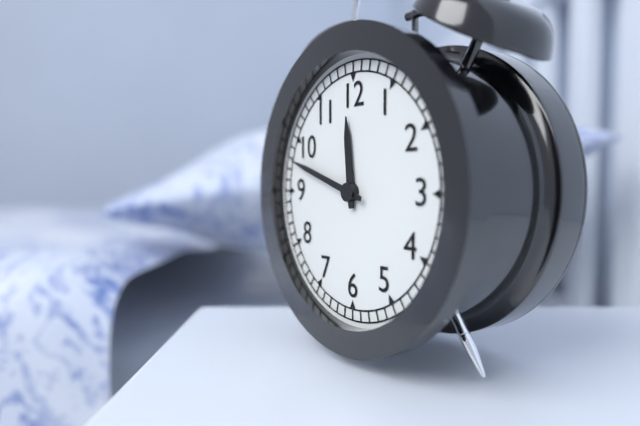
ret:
11:48
